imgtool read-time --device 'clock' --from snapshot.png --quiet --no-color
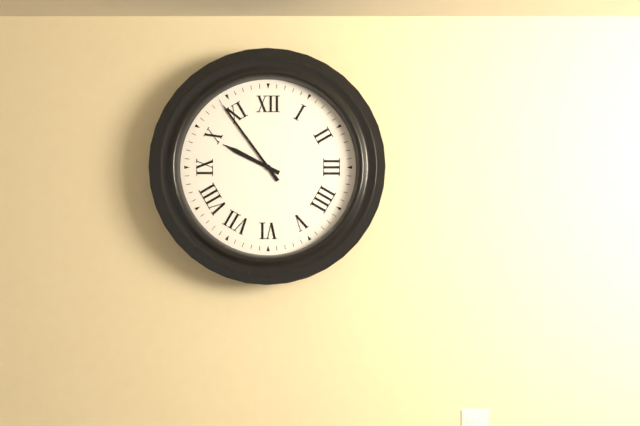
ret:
9:54
